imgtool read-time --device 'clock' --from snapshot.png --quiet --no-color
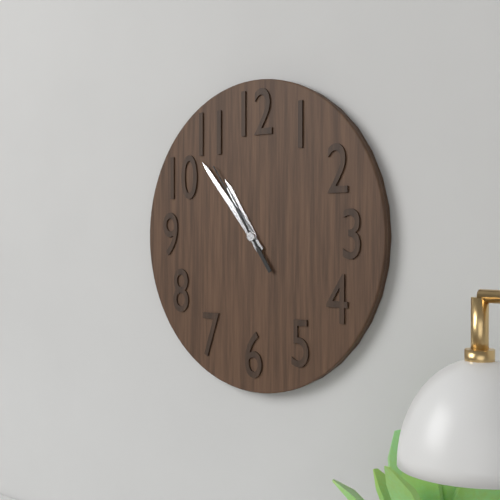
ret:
10:53:54
